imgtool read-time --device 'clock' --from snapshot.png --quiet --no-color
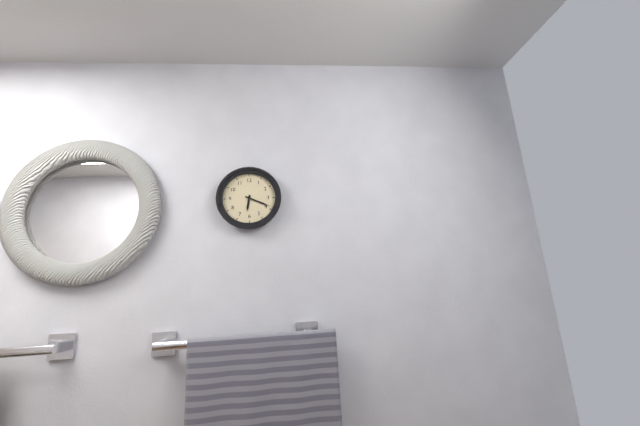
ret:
6:19
